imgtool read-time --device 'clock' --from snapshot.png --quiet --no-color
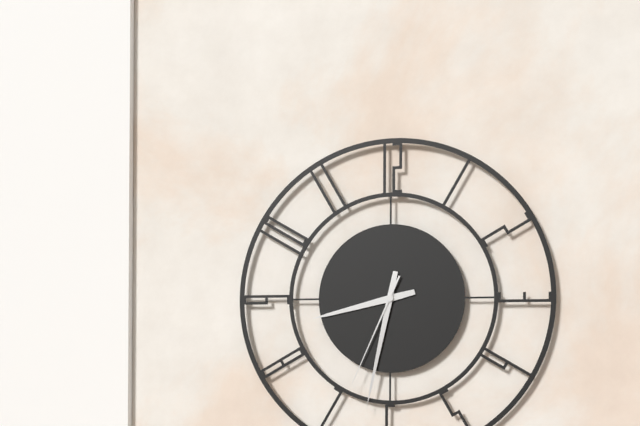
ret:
8:32:34
